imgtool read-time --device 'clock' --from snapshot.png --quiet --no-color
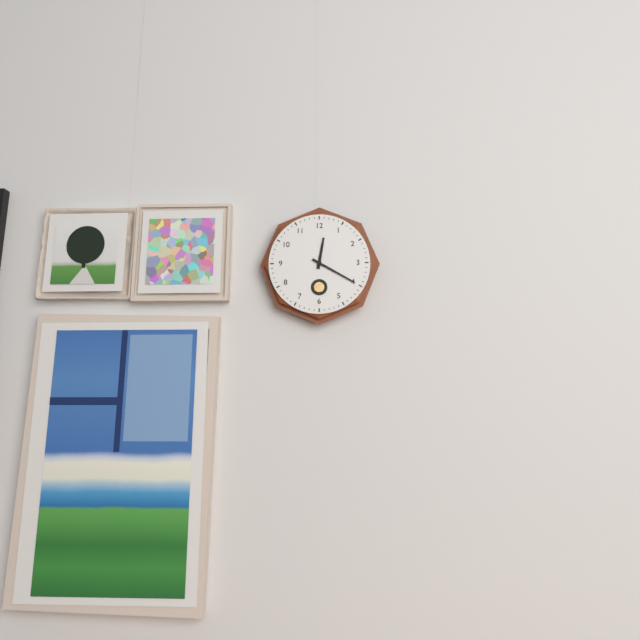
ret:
12:20
